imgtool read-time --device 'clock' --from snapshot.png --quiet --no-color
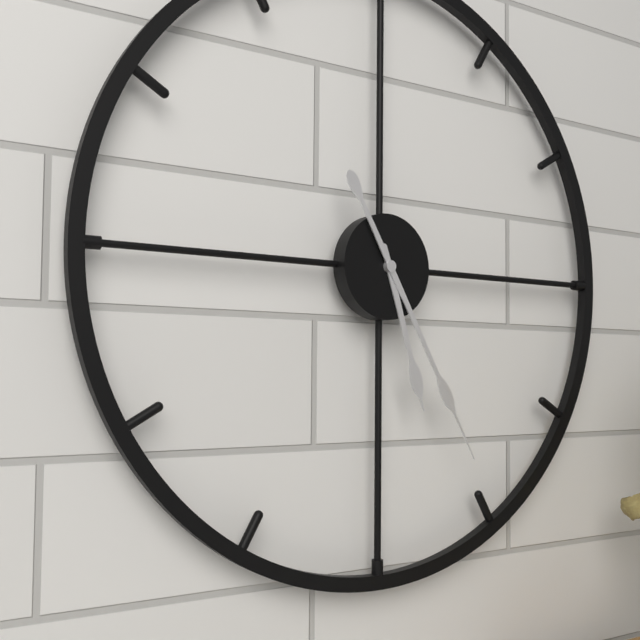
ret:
5:25
